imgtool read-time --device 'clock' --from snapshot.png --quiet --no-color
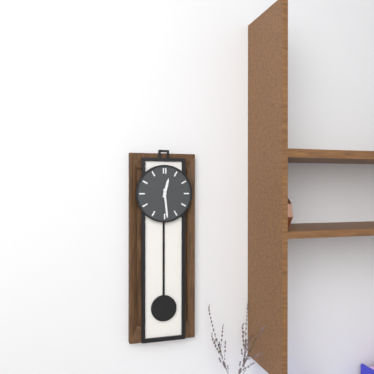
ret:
12:29
